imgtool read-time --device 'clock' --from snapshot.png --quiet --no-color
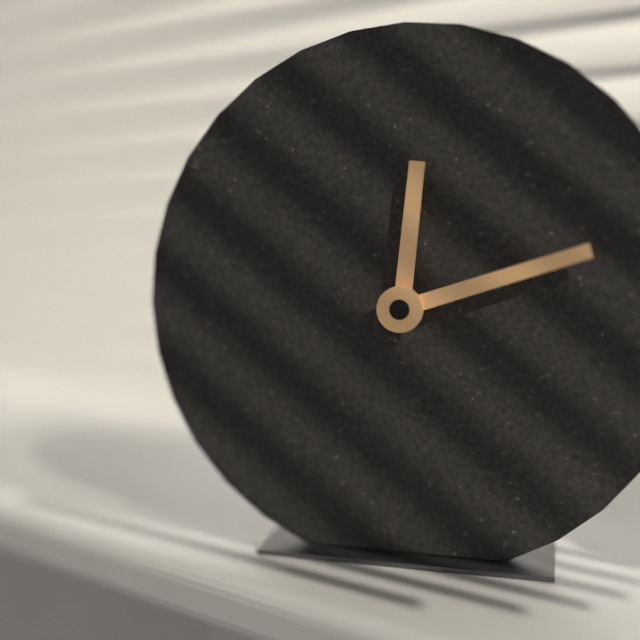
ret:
12:12
